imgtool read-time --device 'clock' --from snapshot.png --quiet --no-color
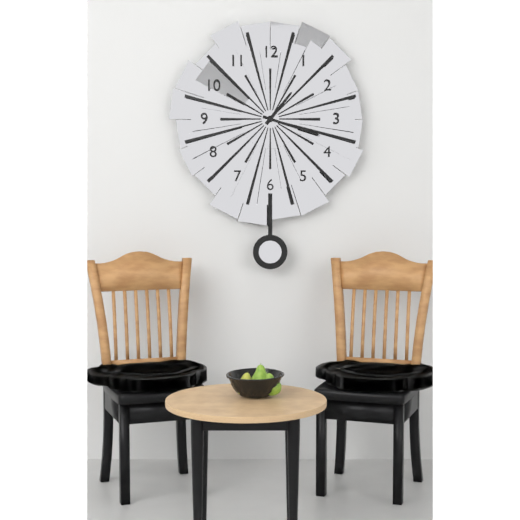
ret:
1:18
